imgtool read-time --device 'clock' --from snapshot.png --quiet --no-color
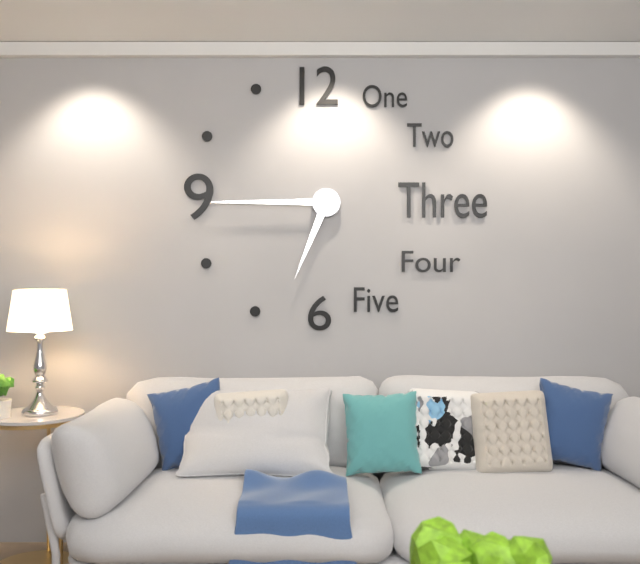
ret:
6:45
